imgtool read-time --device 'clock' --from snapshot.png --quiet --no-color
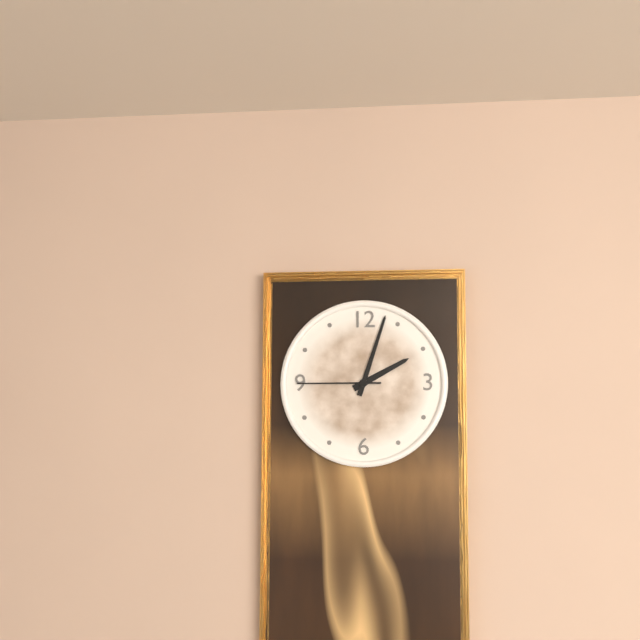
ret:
2:03:45
